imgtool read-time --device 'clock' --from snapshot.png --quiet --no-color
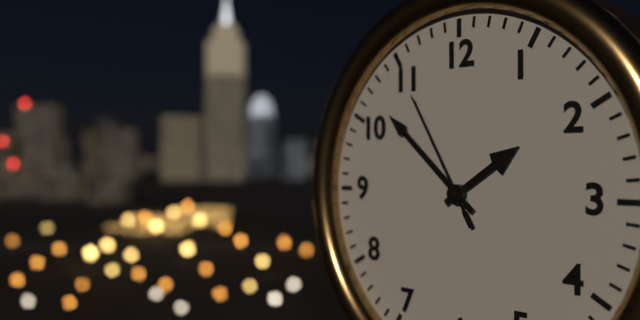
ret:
1:52:55
